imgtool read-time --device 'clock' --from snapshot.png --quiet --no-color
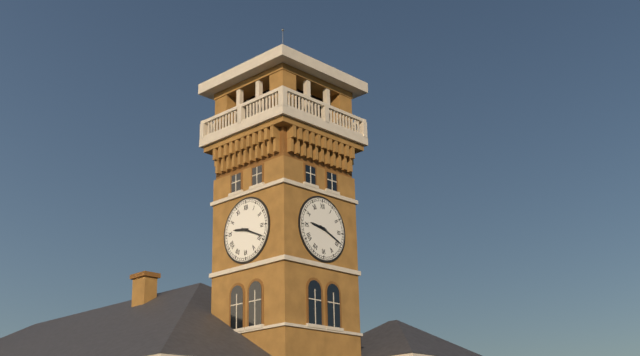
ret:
9:19
